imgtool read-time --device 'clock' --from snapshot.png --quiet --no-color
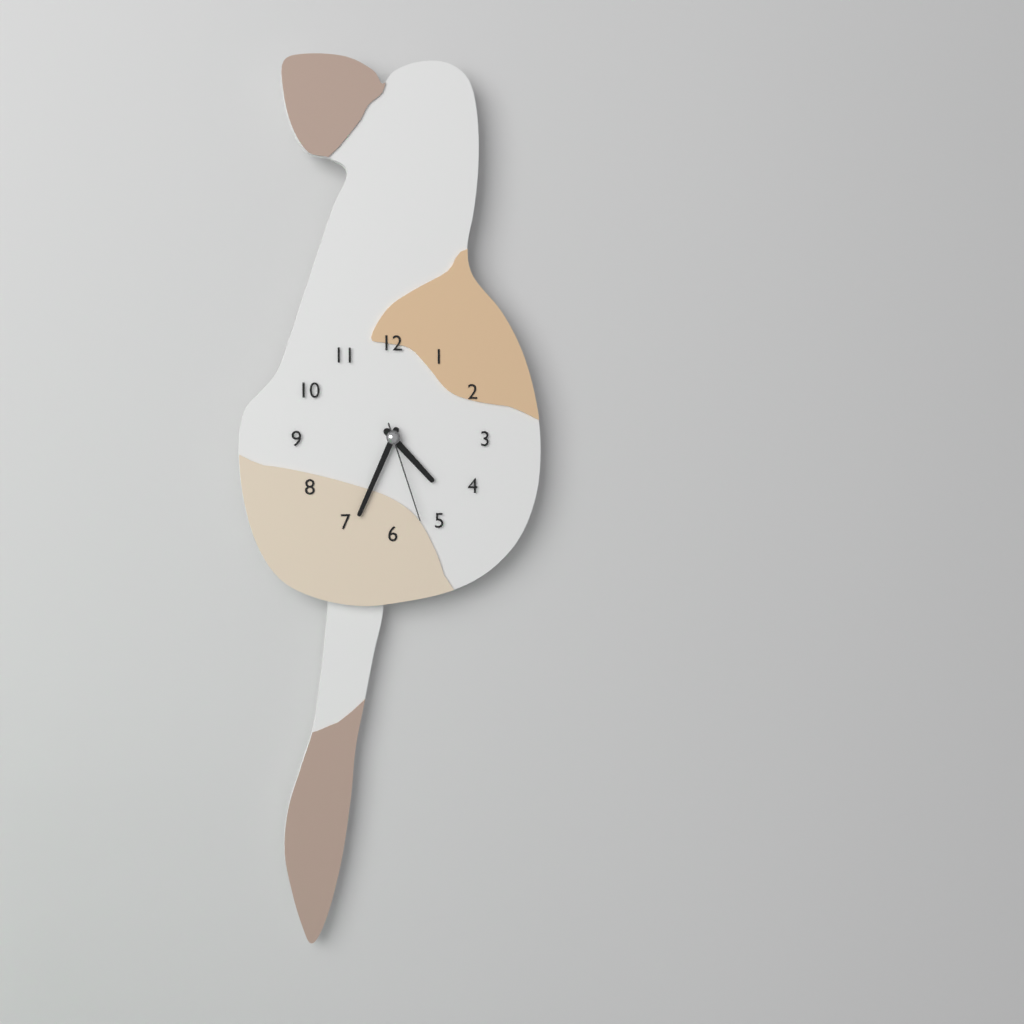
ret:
4:34:27
